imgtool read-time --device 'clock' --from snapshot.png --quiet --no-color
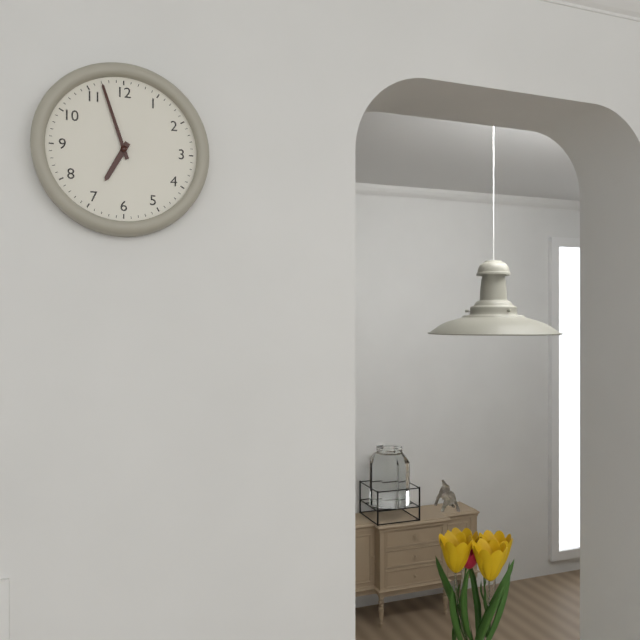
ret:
6:57
